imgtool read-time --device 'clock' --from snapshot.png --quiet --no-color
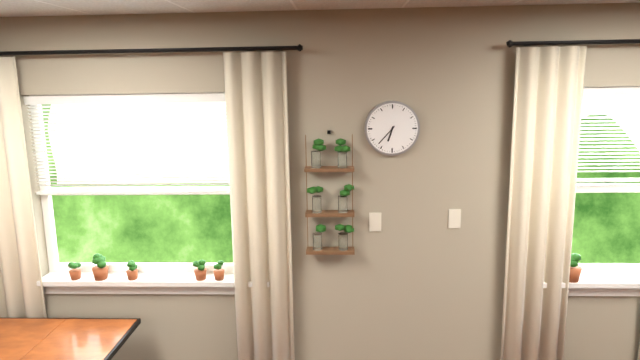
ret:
6:37
